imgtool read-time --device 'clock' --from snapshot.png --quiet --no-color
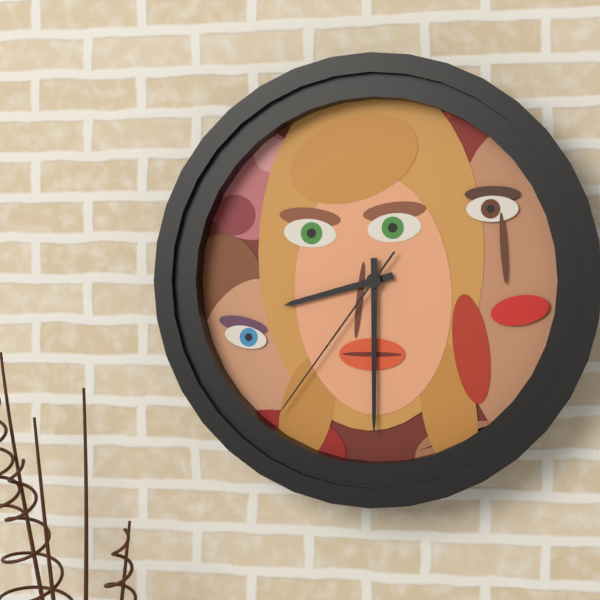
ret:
8:30:36
